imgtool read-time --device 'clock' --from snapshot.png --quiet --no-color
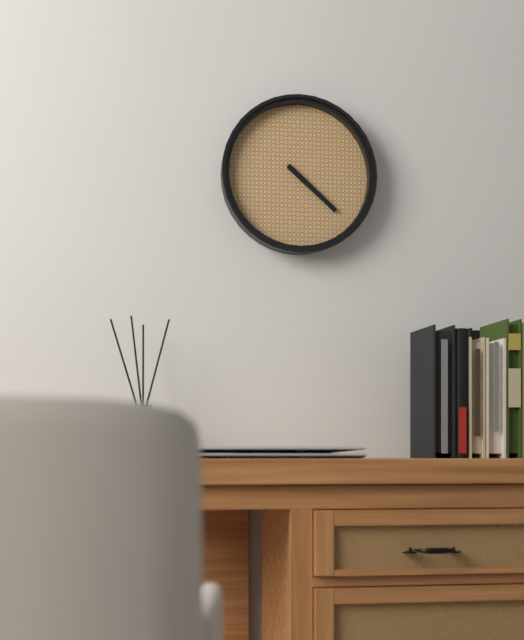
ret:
4:22
